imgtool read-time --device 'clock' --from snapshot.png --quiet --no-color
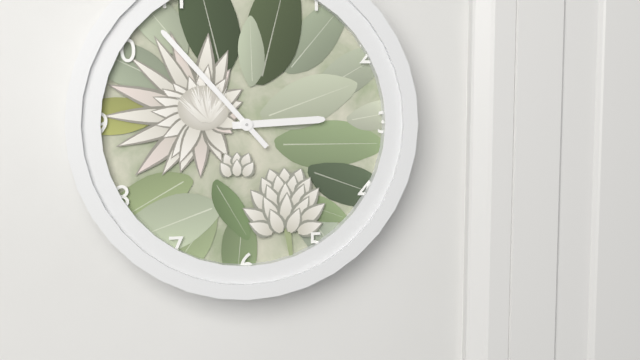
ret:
2:53
